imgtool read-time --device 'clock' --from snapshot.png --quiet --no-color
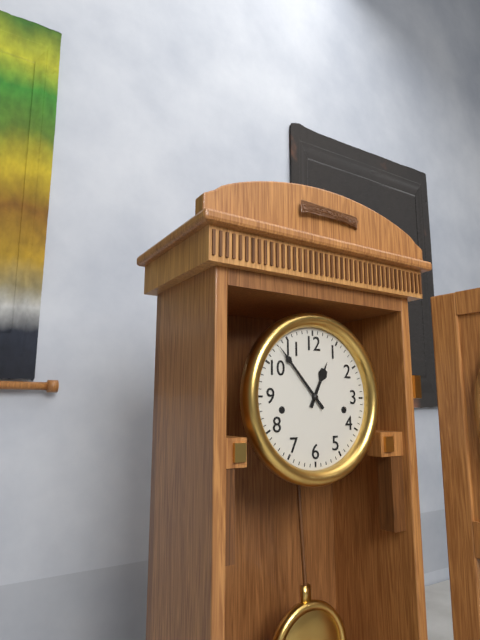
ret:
12:53
